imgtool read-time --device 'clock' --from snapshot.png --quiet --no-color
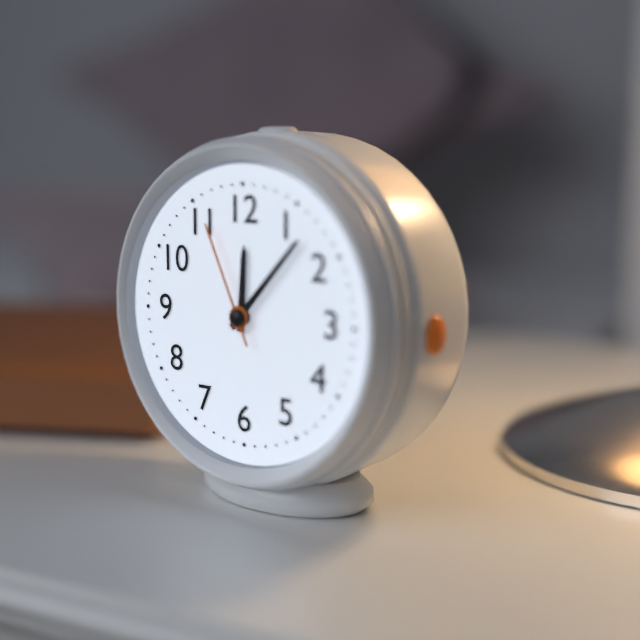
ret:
12:07:56
